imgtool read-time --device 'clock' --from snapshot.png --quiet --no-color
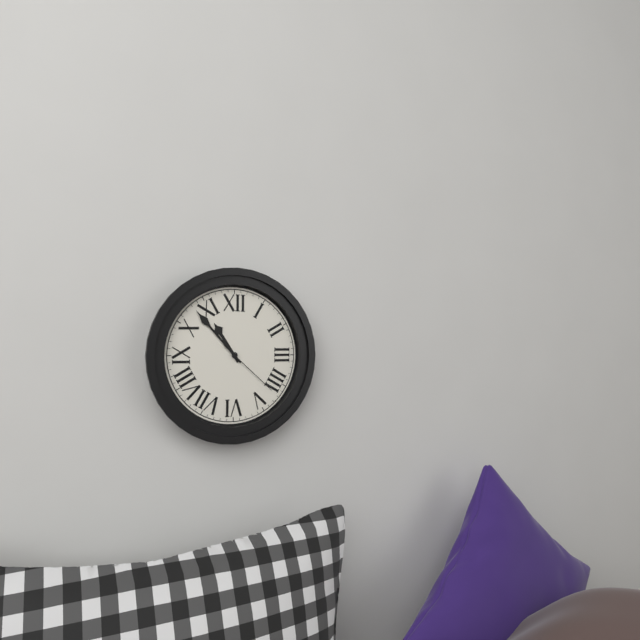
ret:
10:53:22
